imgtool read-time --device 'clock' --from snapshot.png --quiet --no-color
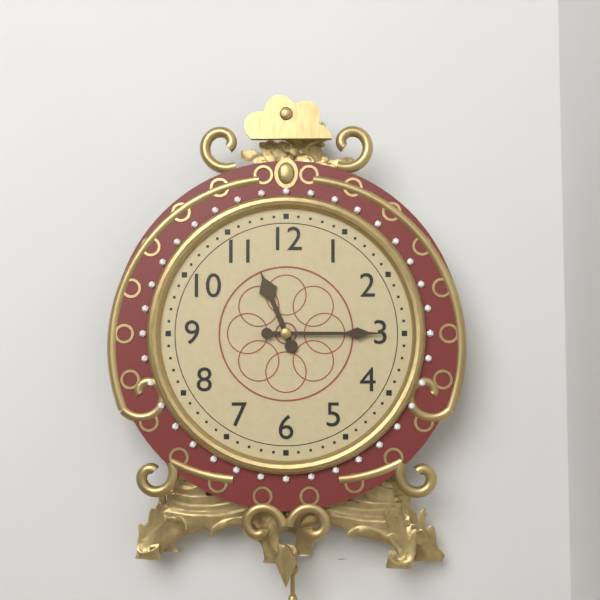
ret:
11:15
